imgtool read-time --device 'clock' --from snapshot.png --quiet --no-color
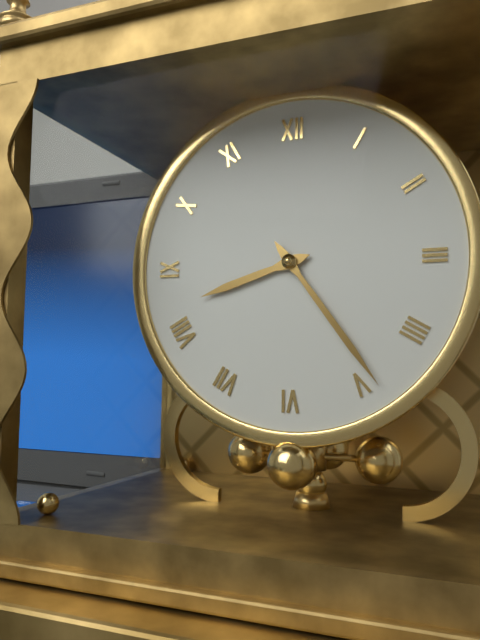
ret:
8:24
